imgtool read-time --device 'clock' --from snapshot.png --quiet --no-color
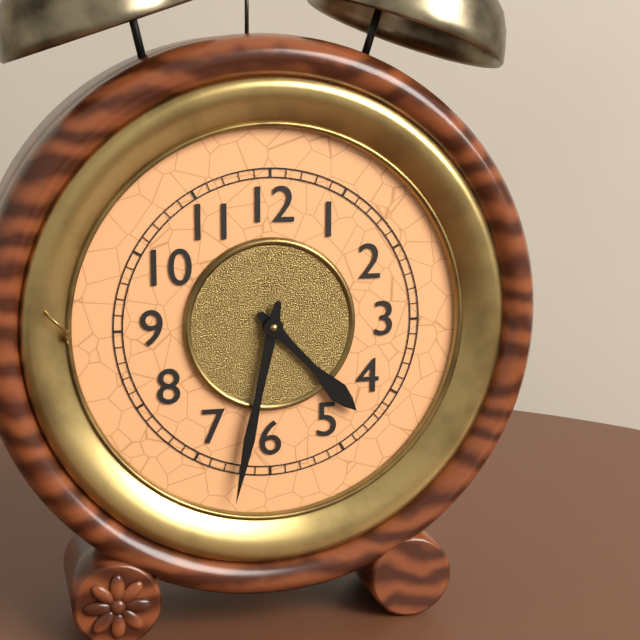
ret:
4:32
